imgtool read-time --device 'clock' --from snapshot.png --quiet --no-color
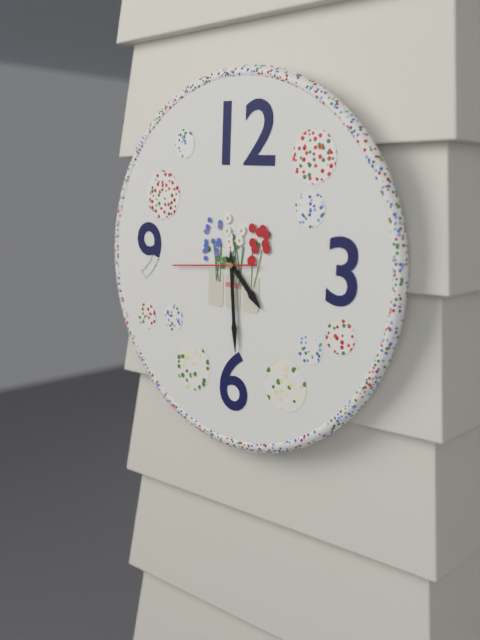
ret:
4:29:44
